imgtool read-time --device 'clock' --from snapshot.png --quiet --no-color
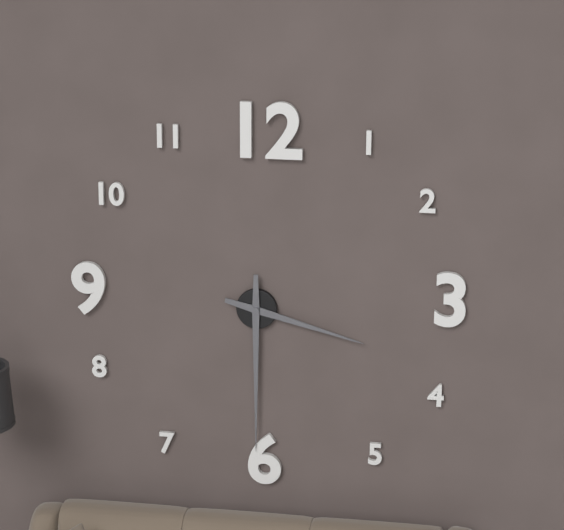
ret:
3:30
